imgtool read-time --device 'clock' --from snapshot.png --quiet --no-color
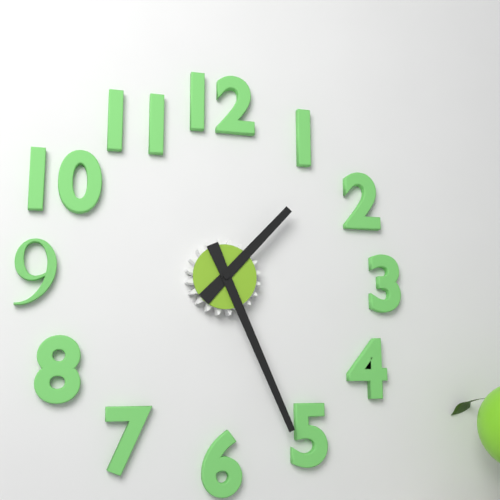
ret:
1:26
